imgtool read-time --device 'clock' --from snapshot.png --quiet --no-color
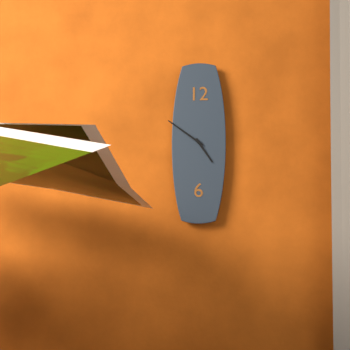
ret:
4:51
